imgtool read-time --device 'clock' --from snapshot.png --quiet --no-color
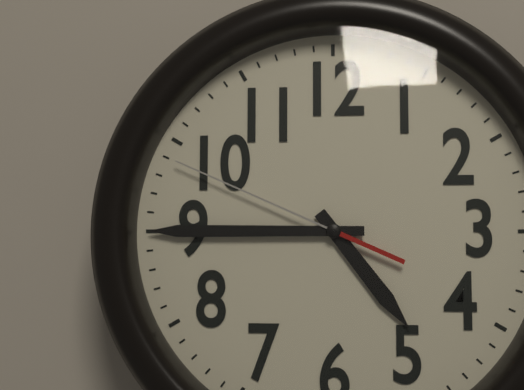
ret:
4:45:49
